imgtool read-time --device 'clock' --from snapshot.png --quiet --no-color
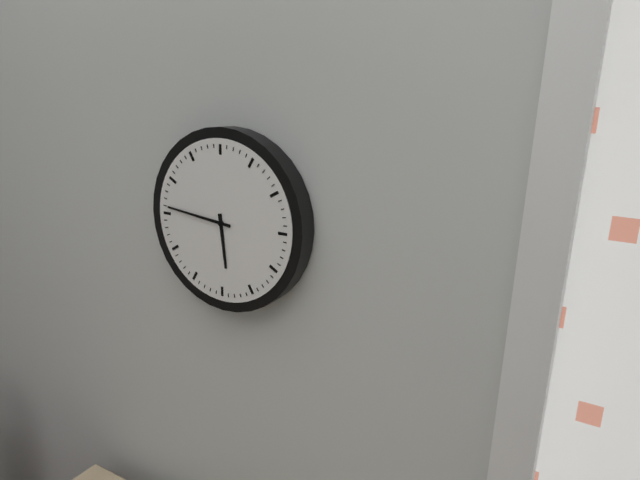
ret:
5:46
